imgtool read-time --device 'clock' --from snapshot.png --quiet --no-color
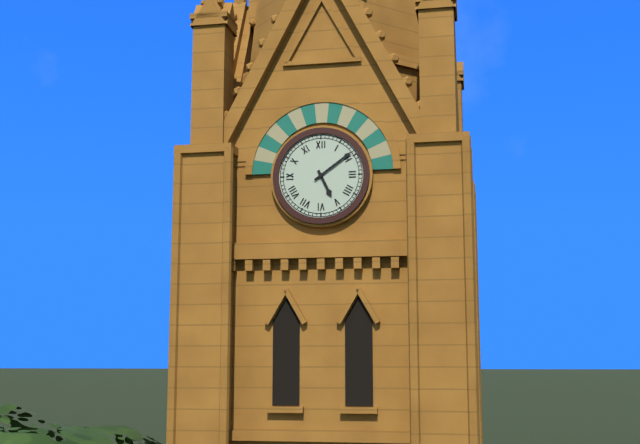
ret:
5:09
